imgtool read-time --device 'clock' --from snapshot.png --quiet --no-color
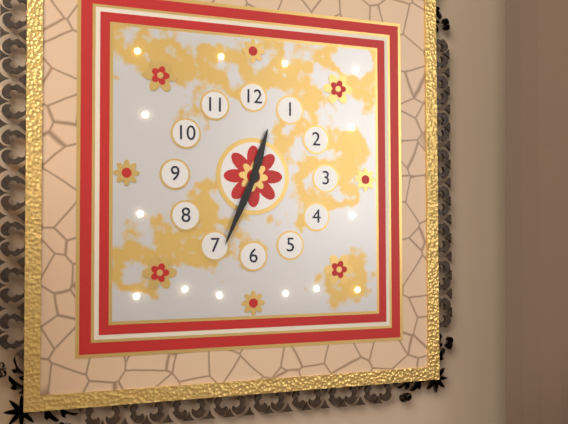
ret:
12:34
